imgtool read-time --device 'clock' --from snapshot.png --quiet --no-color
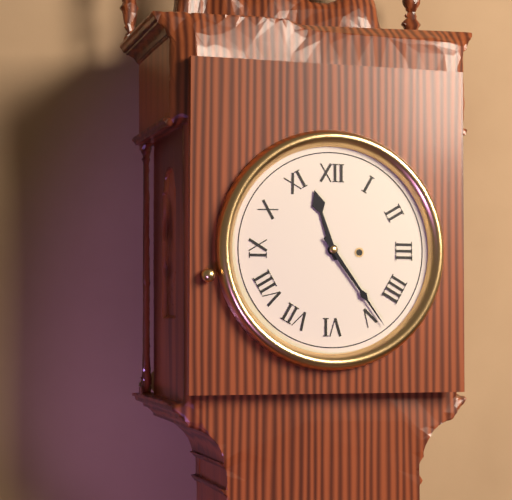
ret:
11:24
